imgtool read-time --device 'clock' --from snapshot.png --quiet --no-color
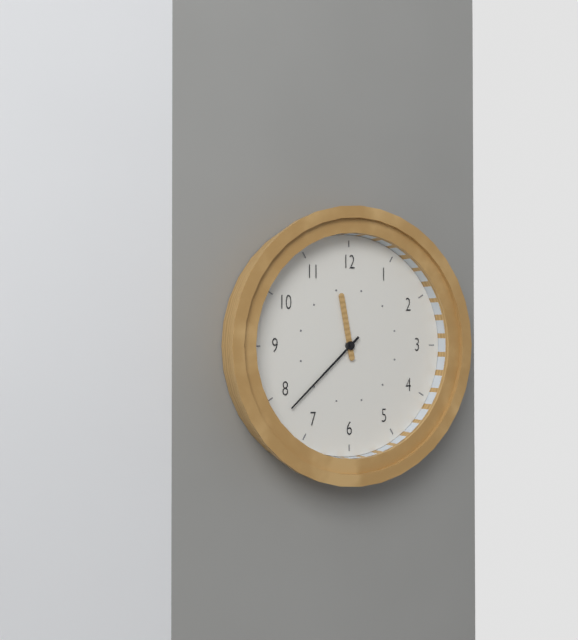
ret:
11:38
